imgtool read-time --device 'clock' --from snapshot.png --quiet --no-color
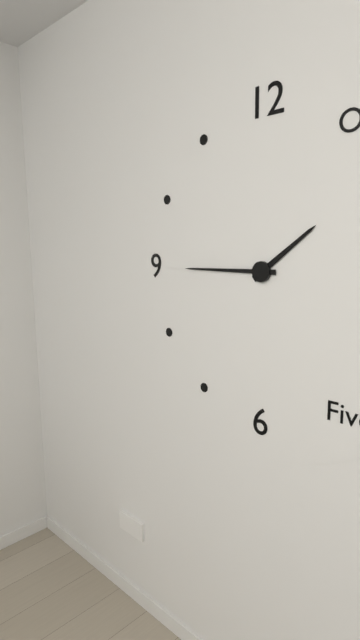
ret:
1:45
